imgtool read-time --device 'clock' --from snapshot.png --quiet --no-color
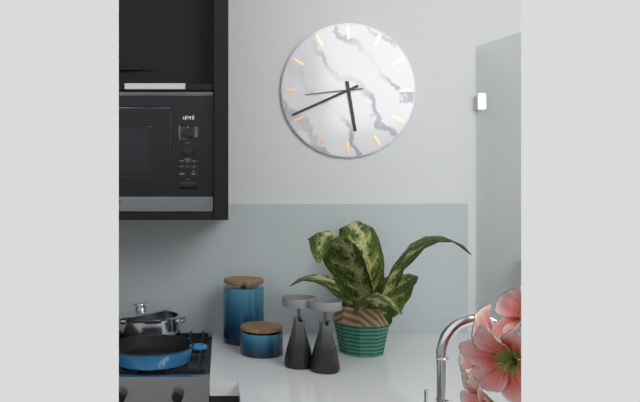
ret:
5:41:44
